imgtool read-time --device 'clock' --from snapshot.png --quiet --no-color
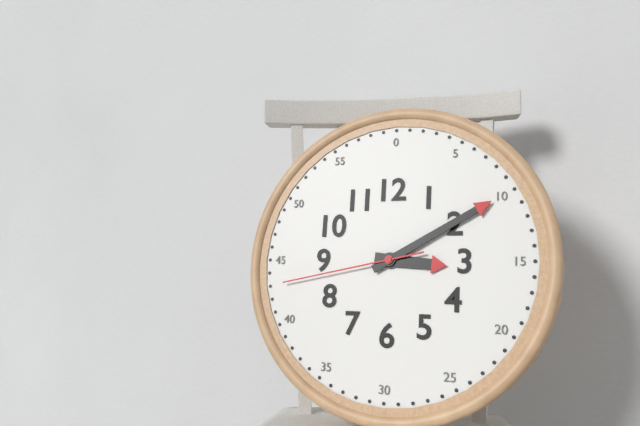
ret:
3:10:43
